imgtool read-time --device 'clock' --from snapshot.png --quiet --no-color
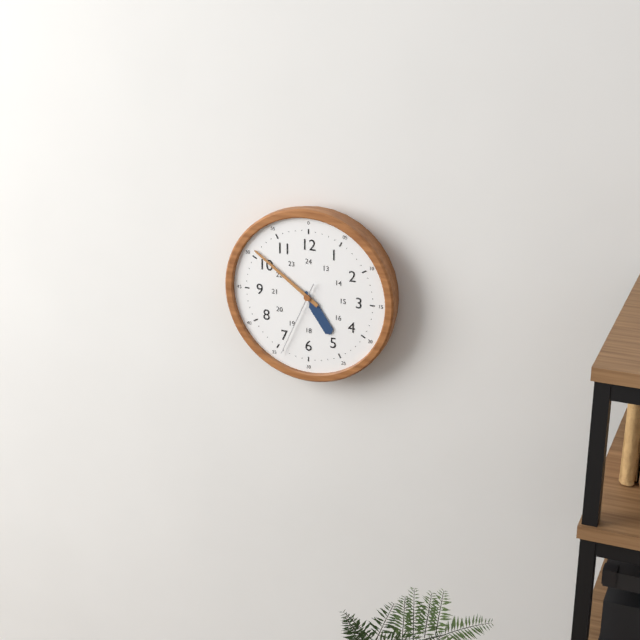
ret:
4:51:34
